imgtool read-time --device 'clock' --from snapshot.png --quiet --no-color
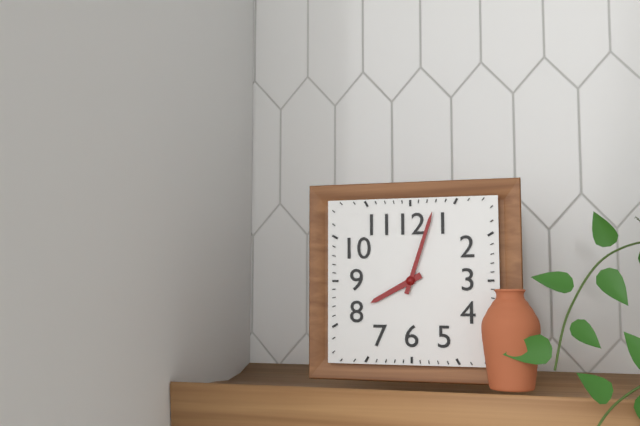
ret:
8:03
